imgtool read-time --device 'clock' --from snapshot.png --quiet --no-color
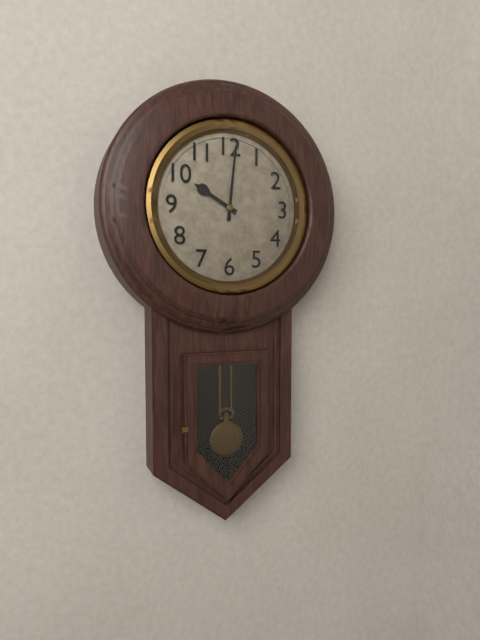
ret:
10:01
